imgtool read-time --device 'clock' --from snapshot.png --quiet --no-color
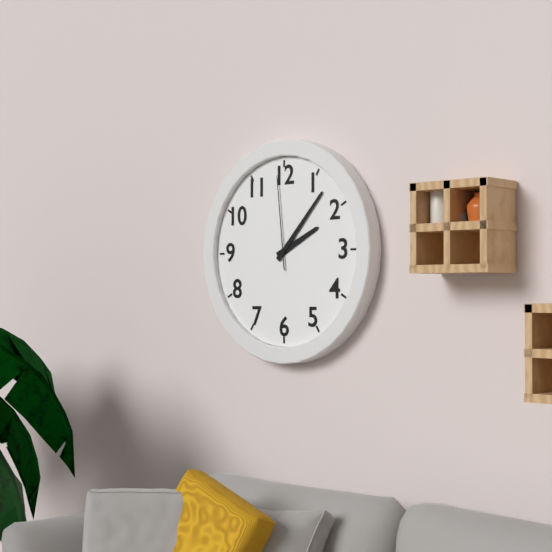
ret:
2:07:59
